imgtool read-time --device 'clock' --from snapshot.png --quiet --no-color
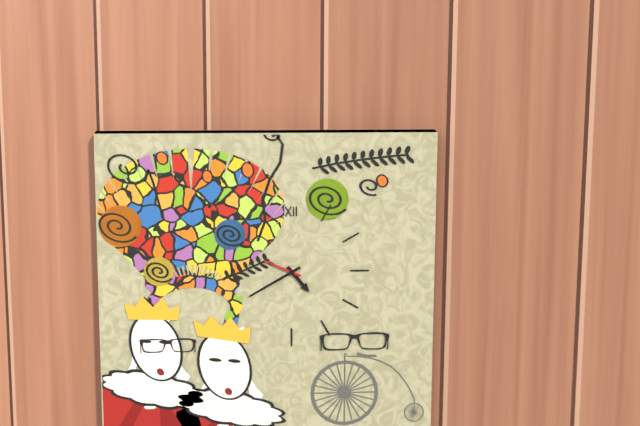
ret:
4:40
